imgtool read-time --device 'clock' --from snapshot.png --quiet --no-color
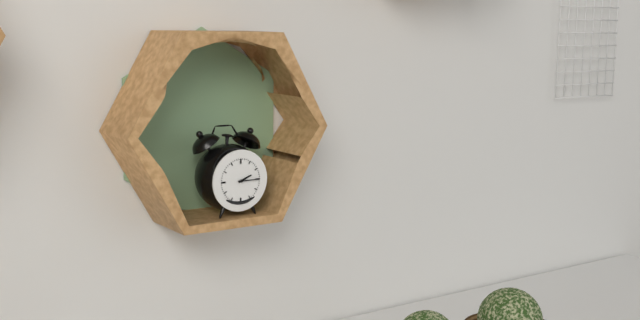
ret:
2:15
